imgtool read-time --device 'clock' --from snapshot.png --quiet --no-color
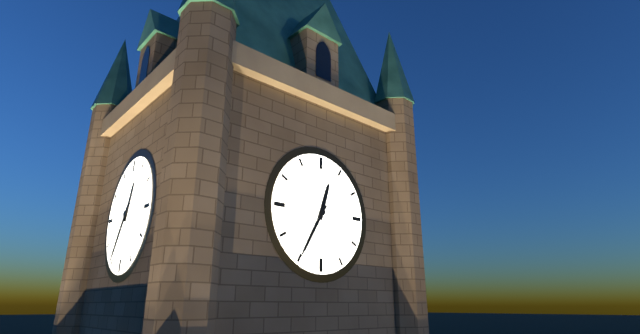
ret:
12:35
